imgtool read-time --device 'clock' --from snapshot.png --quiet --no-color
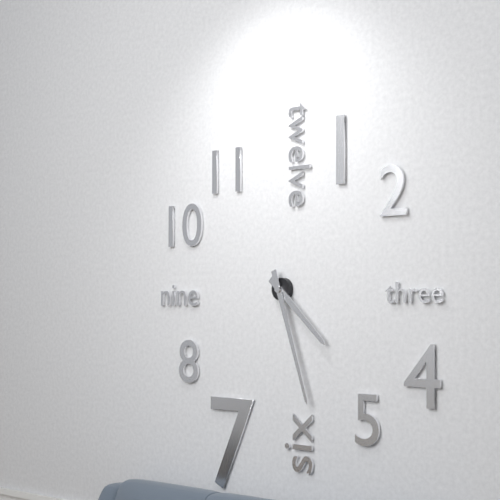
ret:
4:27
